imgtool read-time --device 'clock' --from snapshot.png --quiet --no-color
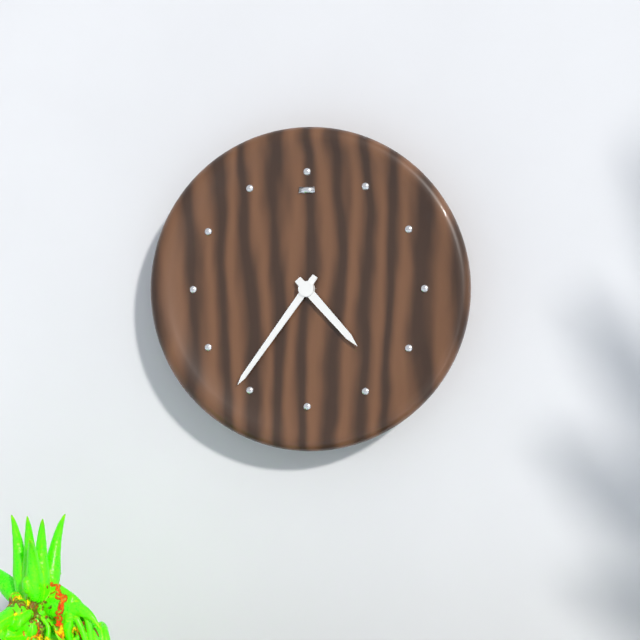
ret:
4:36
